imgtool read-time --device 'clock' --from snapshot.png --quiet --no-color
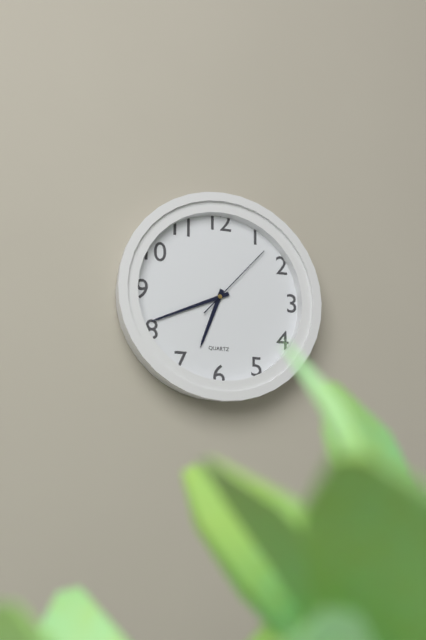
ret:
6:41:07
